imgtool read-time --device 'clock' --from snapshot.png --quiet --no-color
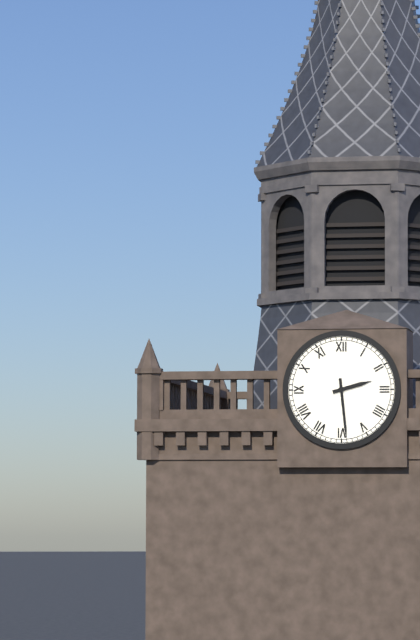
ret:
2:29
